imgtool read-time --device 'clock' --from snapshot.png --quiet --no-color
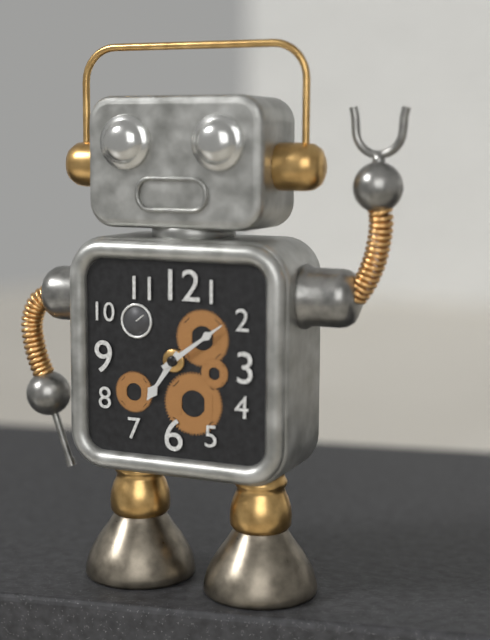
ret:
7:09
